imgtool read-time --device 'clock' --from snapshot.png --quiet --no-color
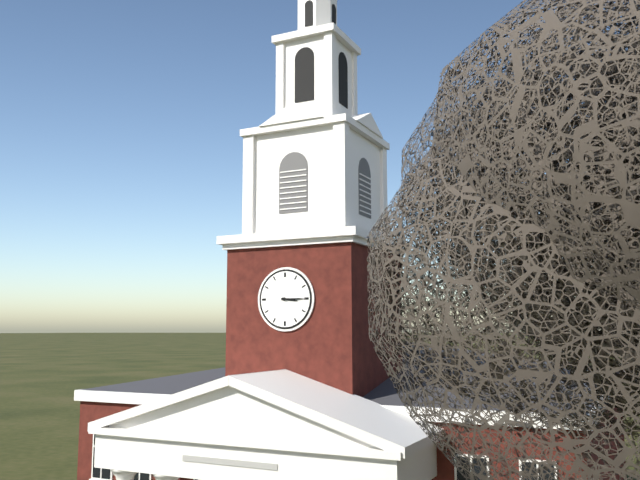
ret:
3:15
